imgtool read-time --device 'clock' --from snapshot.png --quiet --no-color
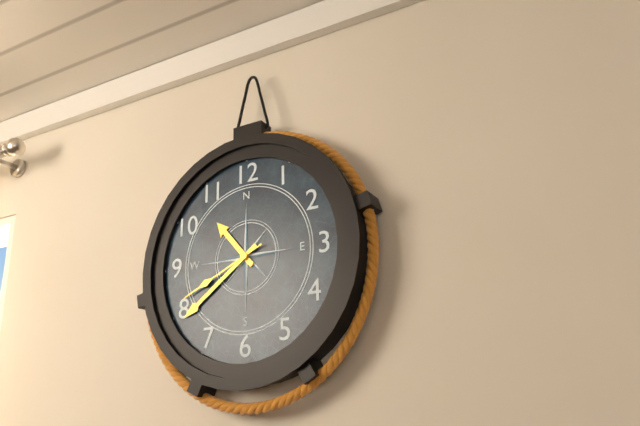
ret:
10:39:41
